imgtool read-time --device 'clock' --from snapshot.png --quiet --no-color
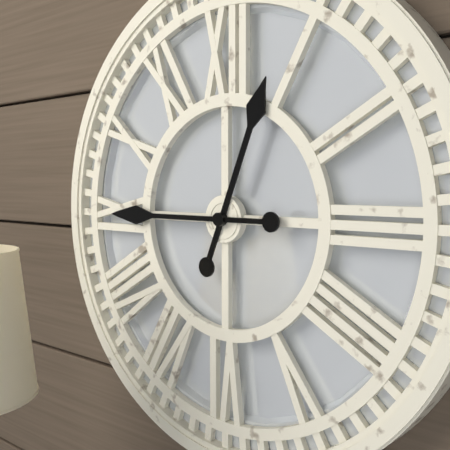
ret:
12:45
